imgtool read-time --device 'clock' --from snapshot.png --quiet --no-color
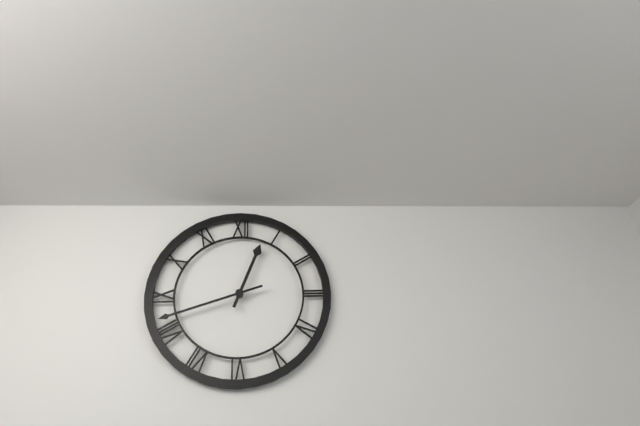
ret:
12:42
